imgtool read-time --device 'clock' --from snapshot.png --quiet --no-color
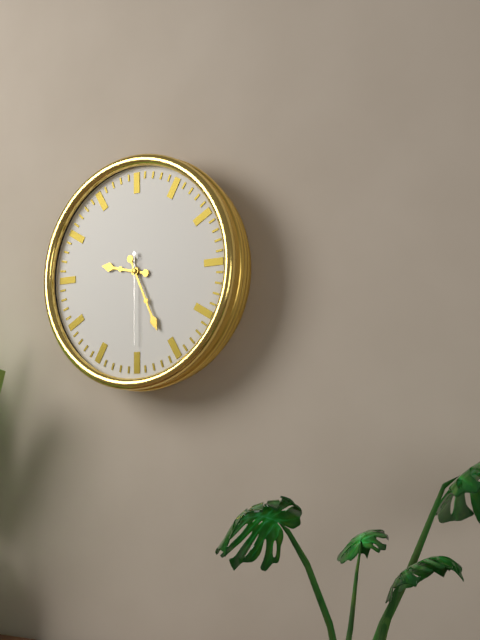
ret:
9:26:30
